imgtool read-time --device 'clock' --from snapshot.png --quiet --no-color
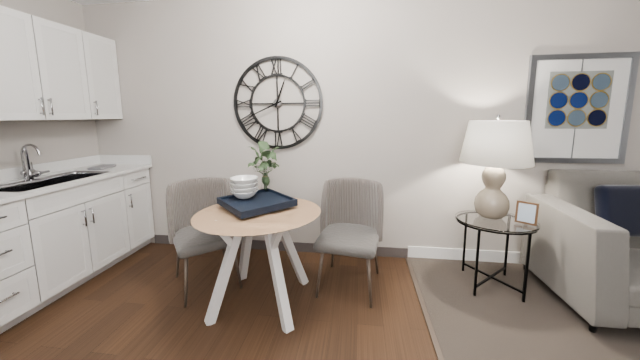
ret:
12:41
